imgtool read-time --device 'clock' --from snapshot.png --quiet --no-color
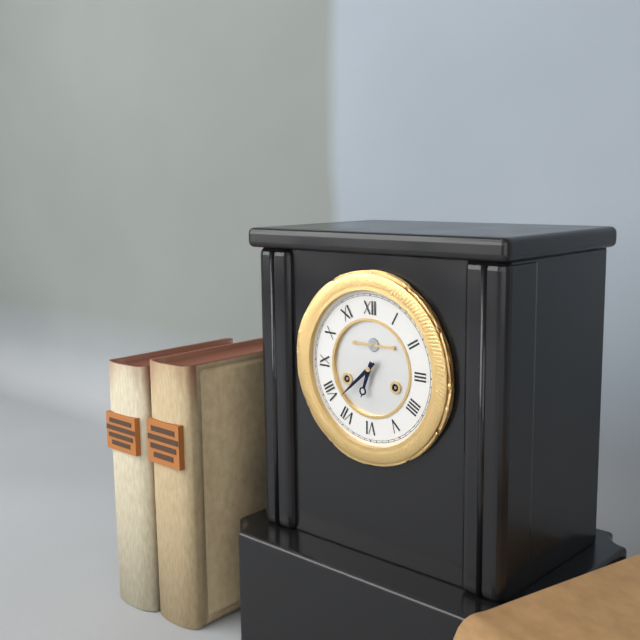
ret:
6:38
